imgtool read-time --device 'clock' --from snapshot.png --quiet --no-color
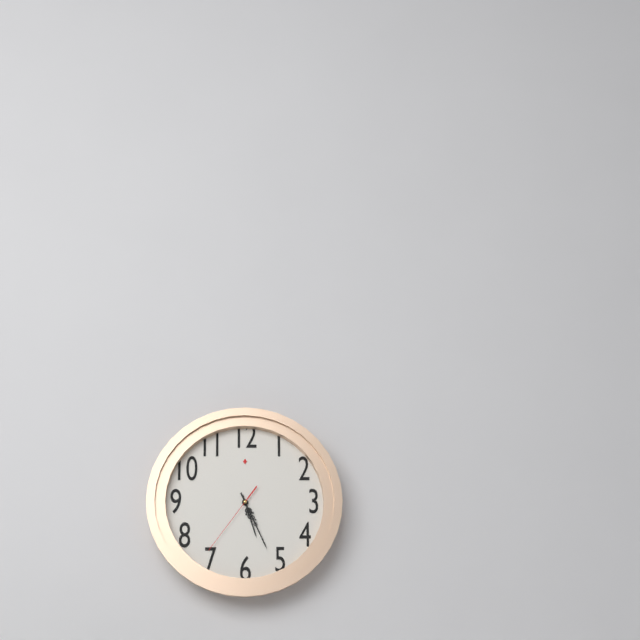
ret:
5:26:36
